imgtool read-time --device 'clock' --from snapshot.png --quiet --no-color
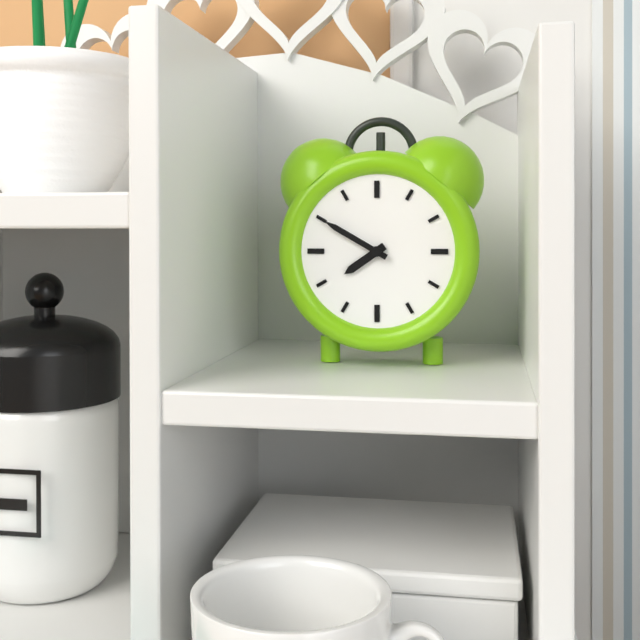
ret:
7:50
